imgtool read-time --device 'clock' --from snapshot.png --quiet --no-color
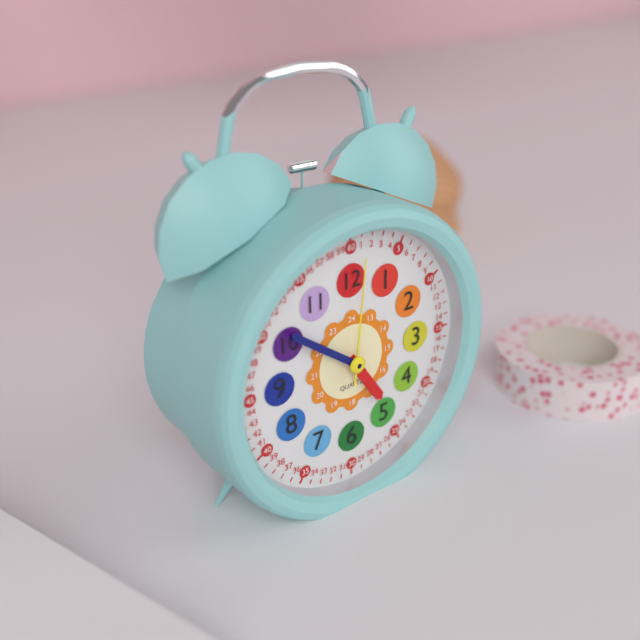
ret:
4:51:01
